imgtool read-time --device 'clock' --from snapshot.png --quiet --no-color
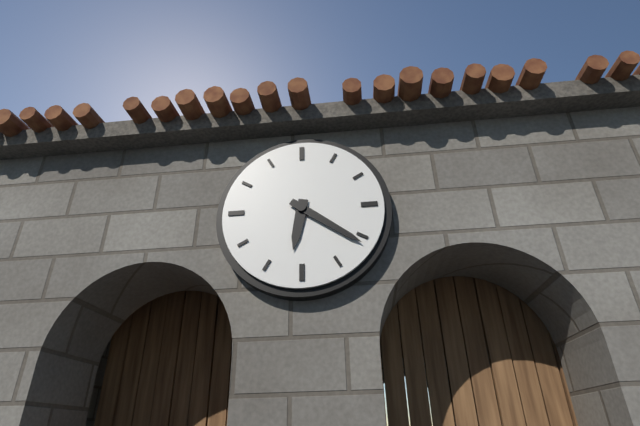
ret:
6:21
